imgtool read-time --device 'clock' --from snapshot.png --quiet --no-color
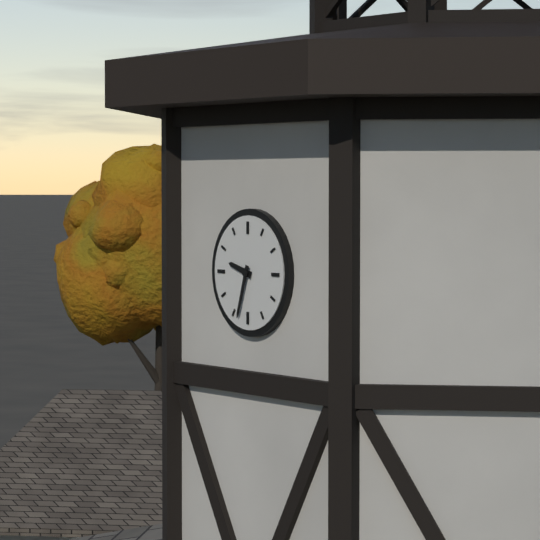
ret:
9:33
